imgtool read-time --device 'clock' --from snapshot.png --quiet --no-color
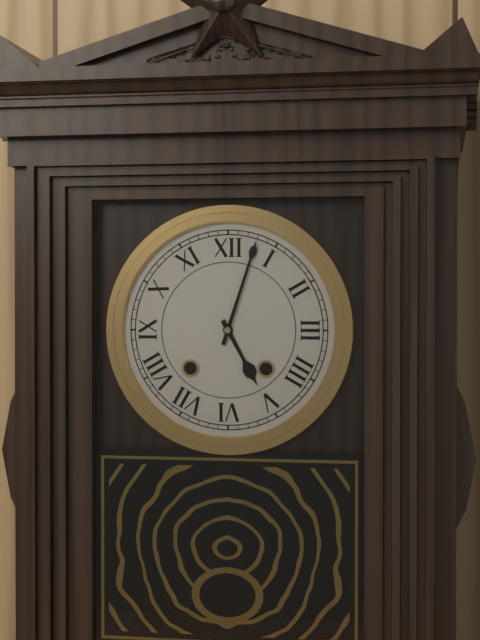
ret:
5:03
